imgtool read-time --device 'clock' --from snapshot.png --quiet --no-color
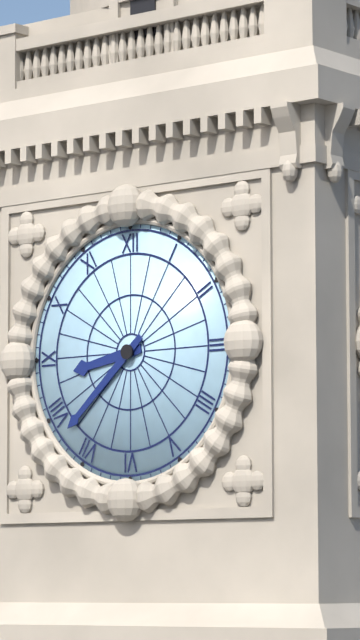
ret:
8:38
